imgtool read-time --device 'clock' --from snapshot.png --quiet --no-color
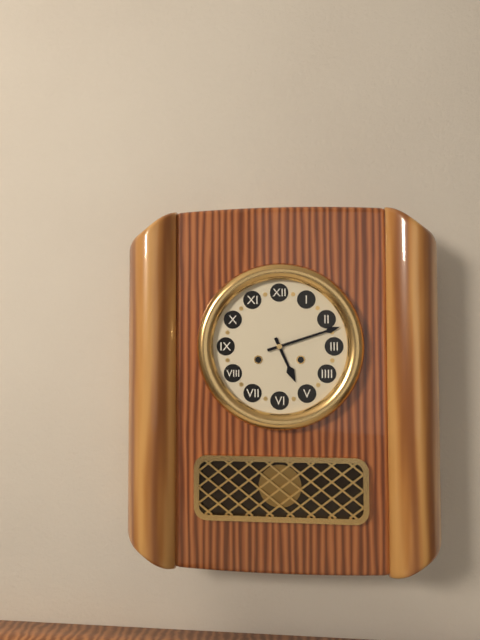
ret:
5:12
